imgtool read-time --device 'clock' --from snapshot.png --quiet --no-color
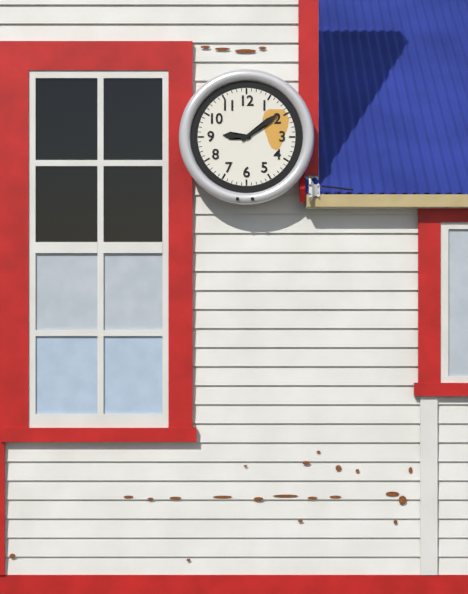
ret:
9:09
